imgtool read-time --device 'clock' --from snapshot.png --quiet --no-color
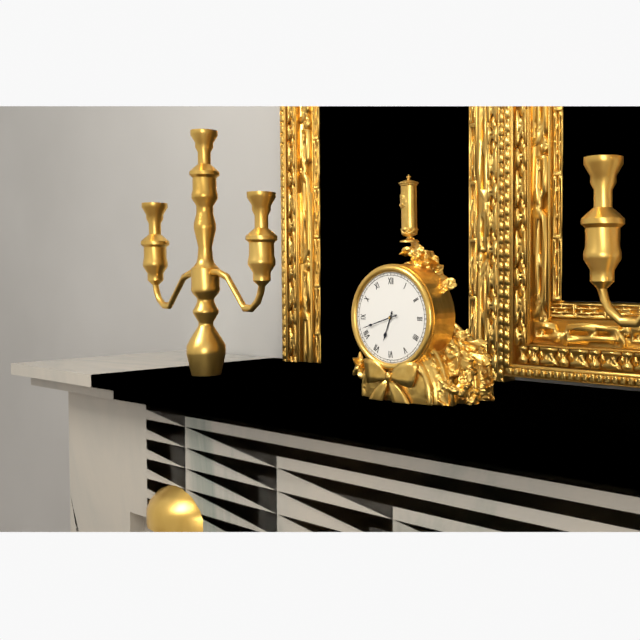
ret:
6:42
